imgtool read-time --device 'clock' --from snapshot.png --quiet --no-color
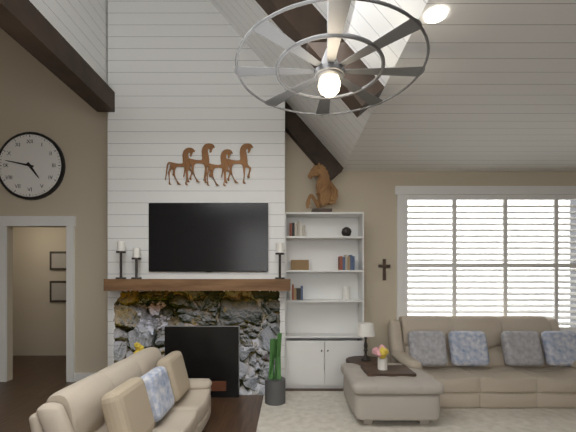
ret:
4:47
